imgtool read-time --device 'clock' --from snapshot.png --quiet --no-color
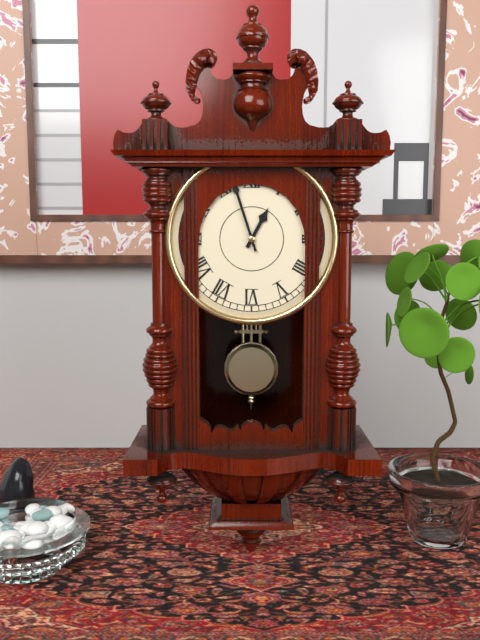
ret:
12:57
